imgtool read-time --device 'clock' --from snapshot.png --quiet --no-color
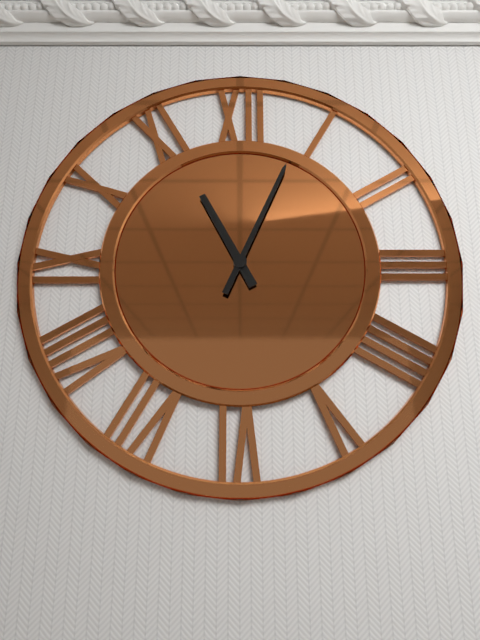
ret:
11:04
